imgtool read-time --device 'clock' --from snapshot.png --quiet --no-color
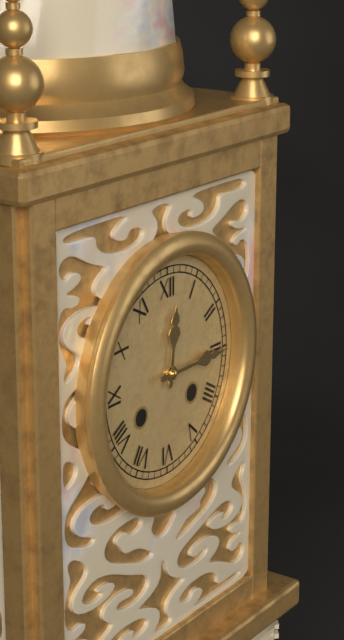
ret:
12:15
